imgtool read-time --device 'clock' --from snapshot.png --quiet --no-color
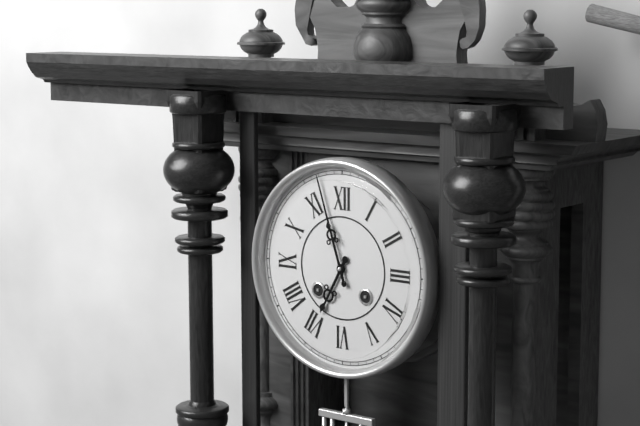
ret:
6:57
